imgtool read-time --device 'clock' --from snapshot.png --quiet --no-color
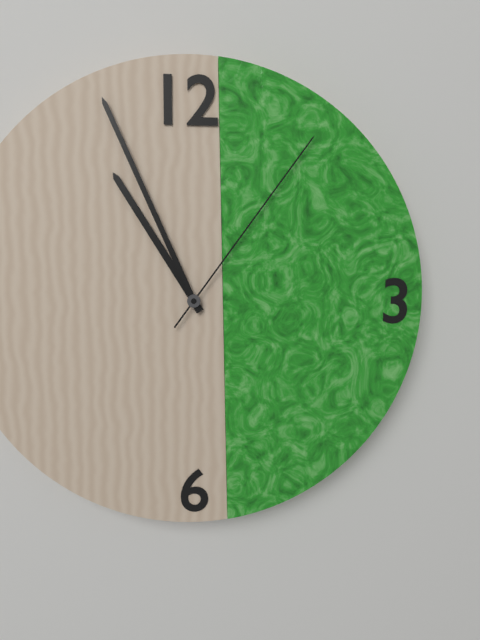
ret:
10:56:06
